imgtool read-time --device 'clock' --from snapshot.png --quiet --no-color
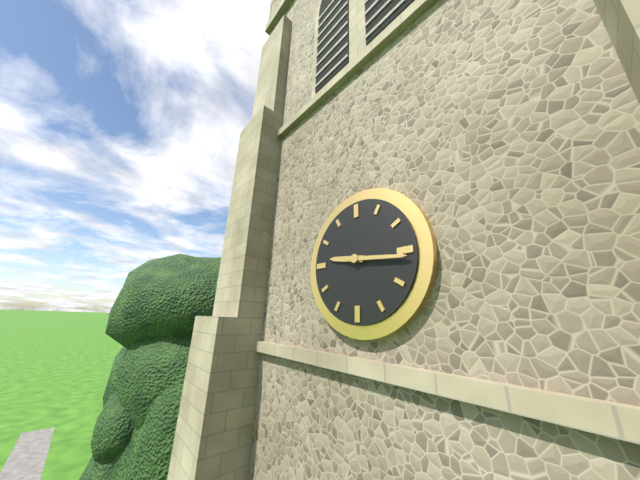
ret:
9:16
